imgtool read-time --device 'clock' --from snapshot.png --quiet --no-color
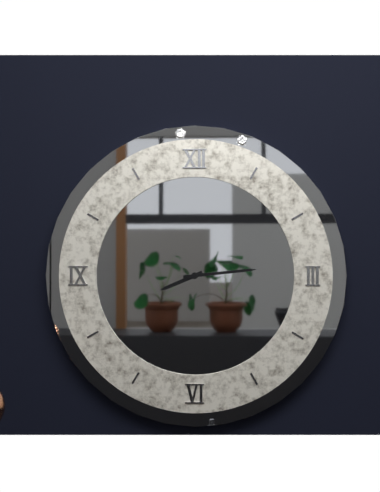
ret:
8:14
